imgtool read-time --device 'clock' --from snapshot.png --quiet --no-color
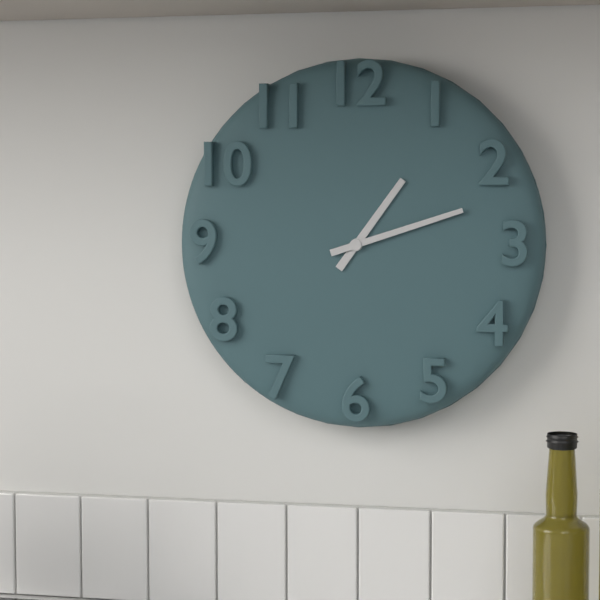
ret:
1:12
